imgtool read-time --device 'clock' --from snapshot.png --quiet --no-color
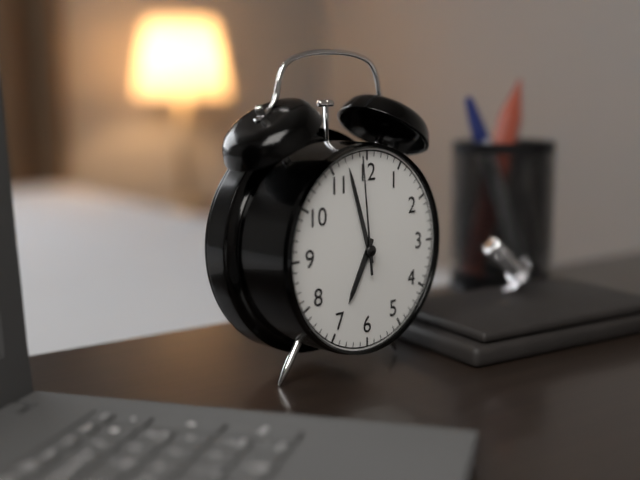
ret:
6:57:59
